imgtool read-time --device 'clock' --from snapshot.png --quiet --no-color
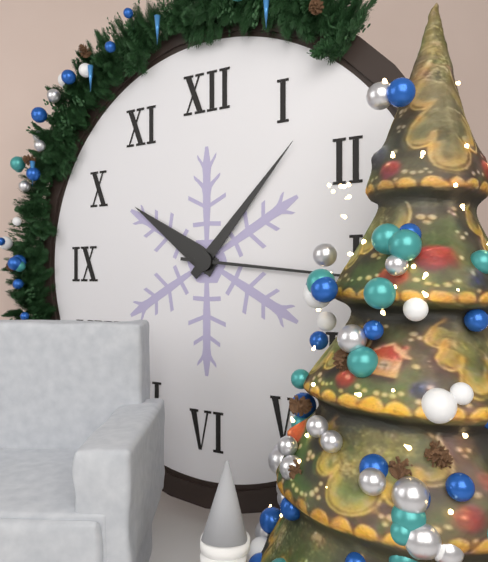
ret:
10:07:16
